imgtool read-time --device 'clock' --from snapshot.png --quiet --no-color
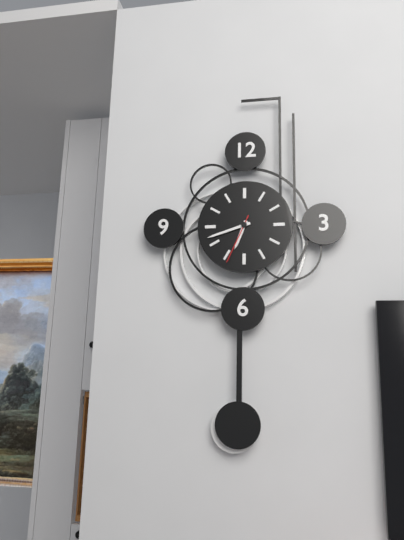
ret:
6:42
